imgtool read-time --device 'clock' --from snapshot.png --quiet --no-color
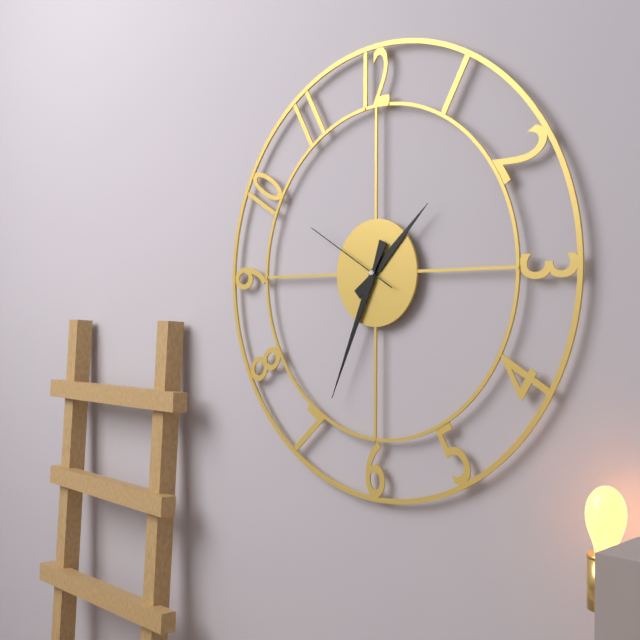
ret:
1:34:50
